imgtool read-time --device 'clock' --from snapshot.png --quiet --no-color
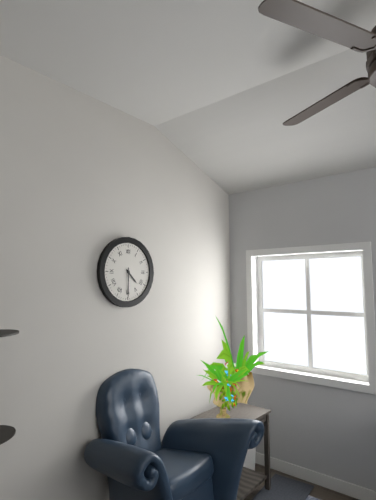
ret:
4:30
